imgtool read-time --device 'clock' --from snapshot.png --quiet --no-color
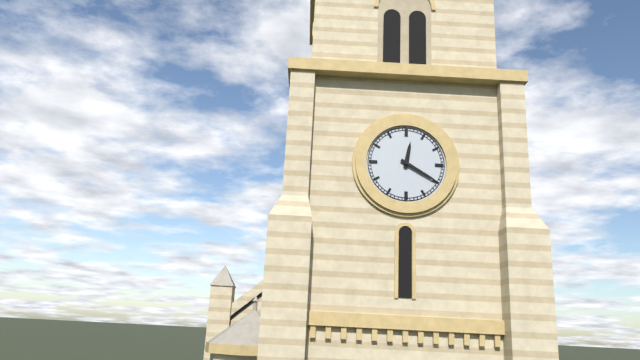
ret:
12:20
